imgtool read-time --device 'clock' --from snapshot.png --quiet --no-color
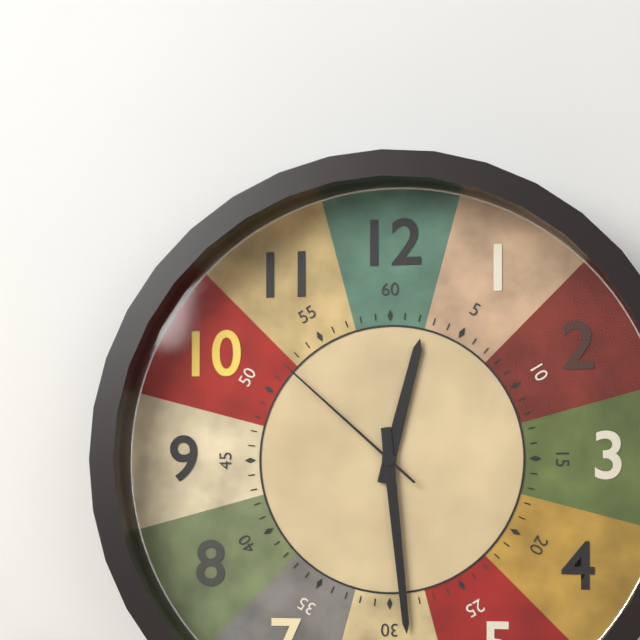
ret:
12:29:52
